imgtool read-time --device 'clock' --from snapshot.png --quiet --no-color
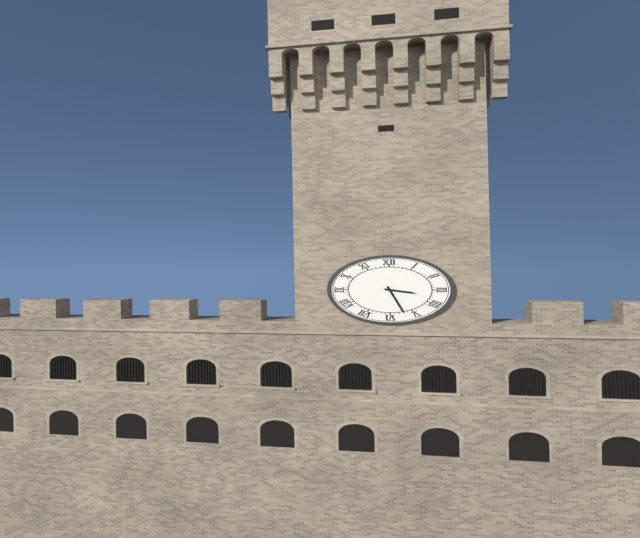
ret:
3:27
